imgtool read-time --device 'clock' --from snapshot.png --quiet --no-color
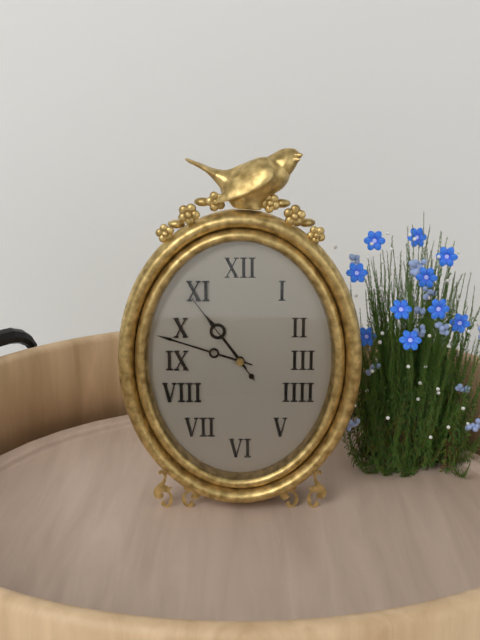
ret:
10:48:54
